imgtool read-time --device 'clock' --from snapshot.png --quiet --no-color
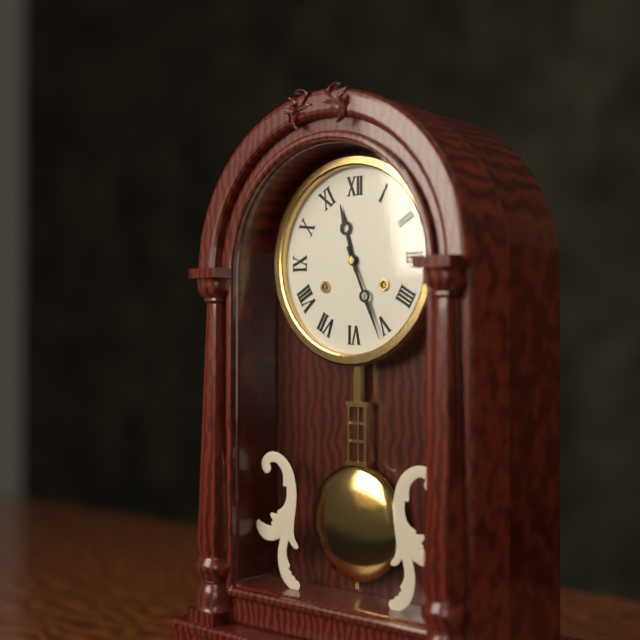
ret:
11:26
